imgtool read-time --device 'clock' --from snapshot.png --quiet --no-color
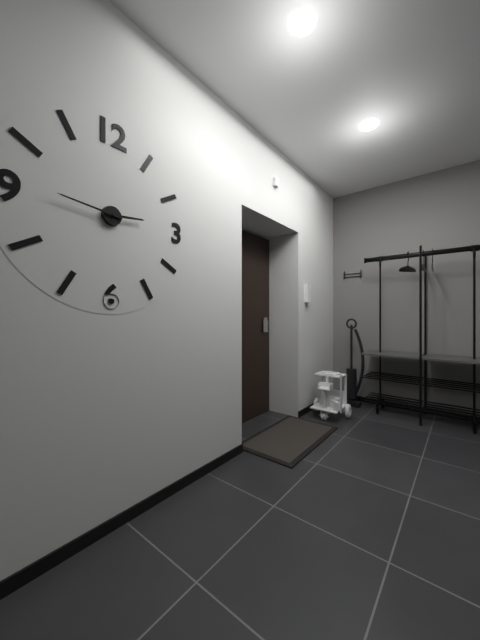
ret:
2:46
